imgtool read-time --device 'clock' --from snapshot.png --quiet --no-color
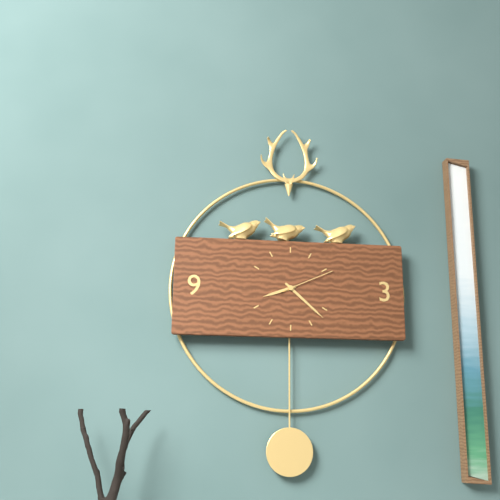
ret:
8:22:11
